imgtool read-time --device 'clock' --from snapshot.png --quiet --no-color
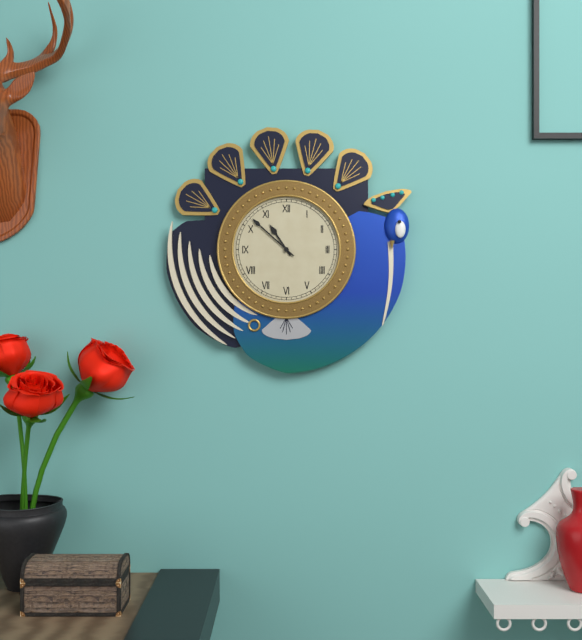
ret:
10:52
